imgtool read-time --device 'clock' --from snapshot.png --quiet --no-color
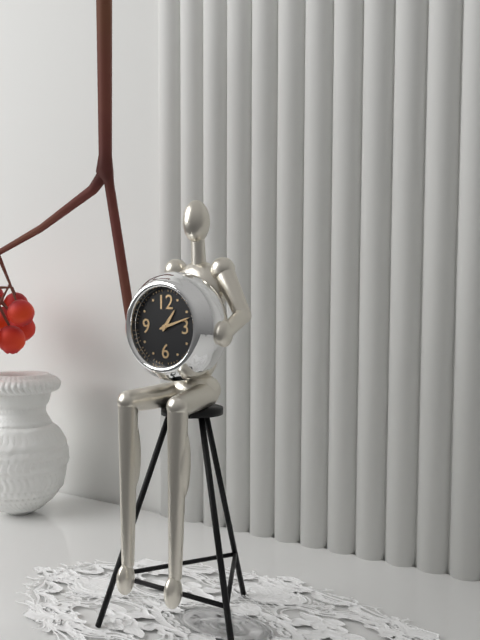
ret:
1:12
